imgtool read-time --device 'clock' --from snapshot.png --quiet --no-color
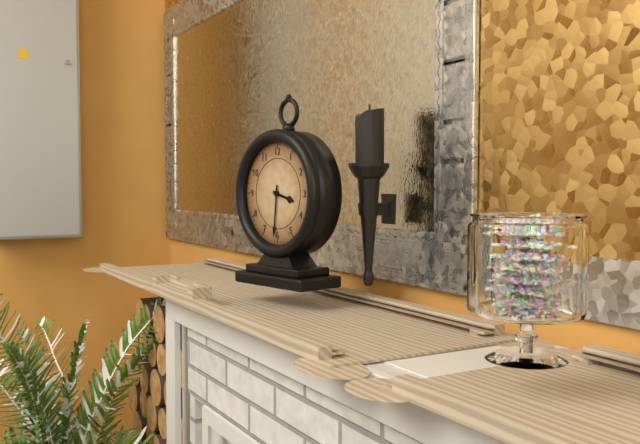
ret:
3:31
